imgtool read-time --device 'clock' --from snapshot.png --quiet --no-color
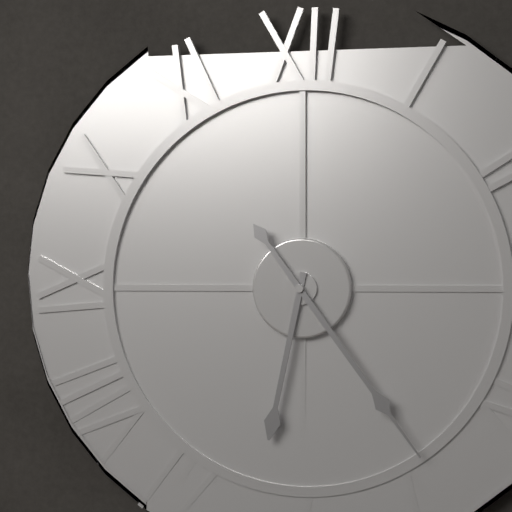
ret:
6:24
